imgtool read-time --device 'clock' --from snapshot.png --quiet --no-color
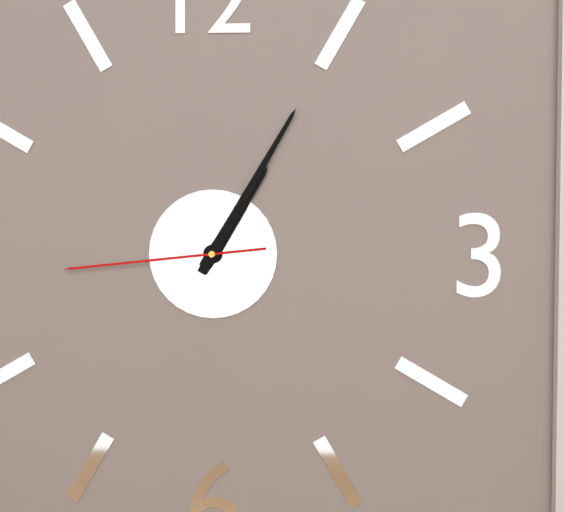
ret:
1:05:44
